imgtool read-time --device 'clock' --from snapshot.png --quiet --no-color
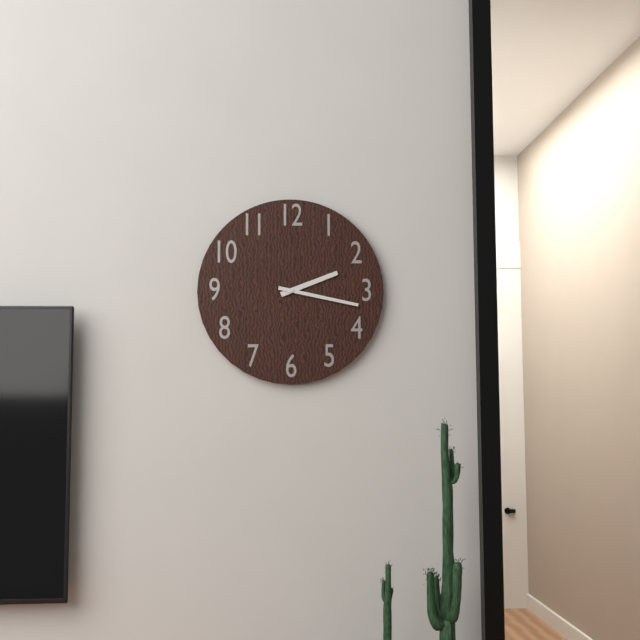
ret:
2:17
